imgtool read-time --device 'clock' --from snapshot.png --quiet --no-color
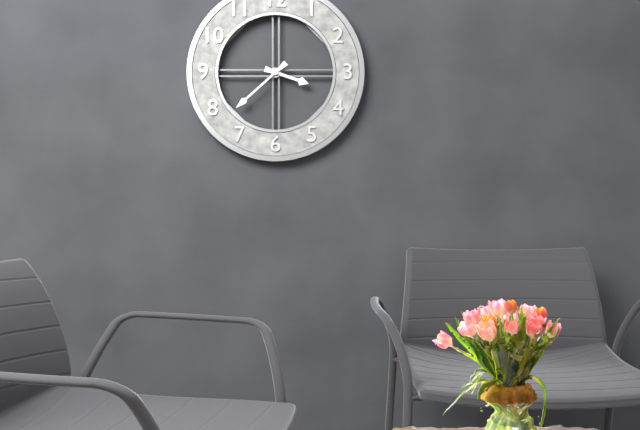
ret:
3:38
